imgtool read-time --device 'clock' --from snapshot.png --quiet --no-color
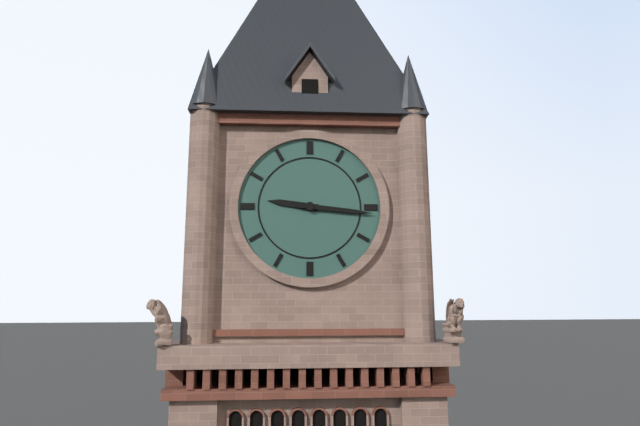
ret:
9:16
